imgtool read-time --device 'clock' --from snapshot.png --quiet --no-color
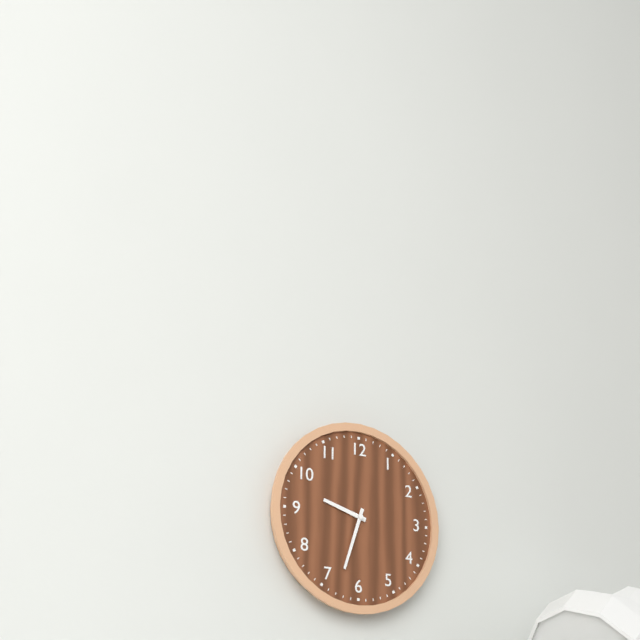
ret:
9:33
